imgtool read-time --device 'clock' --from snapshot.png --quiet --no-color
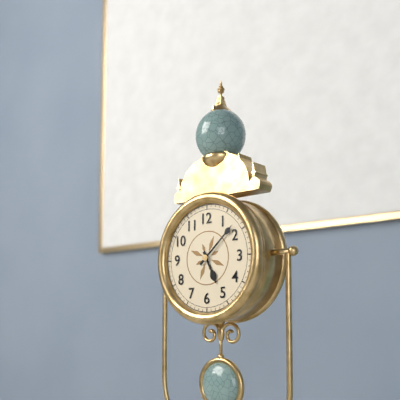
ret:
5:08
